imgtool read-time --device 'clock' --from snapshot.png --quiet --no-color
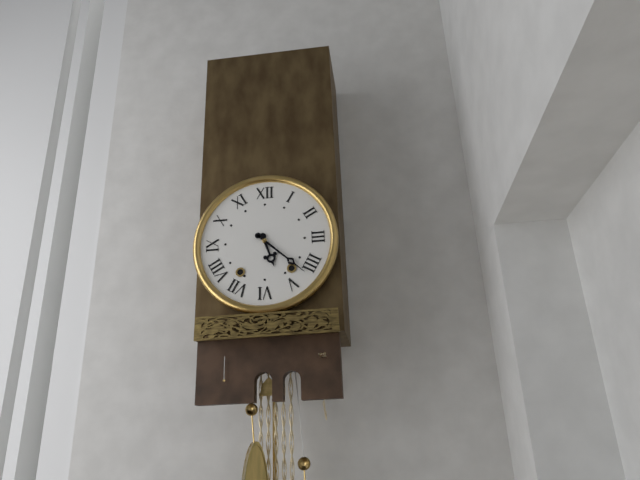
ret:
5:22
